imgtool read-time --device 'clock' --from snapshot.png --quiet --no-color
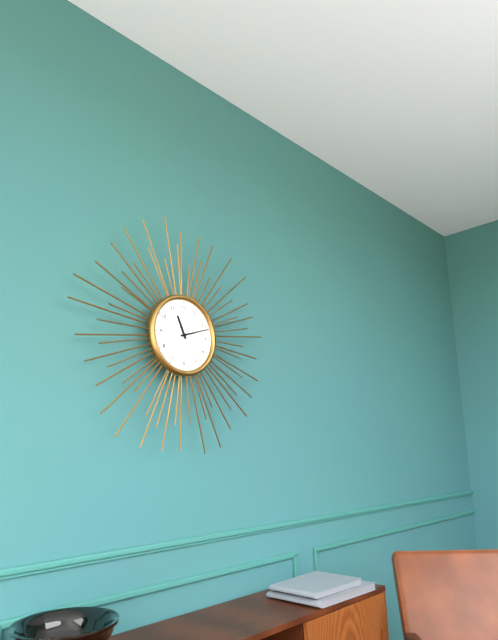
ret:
11:12
